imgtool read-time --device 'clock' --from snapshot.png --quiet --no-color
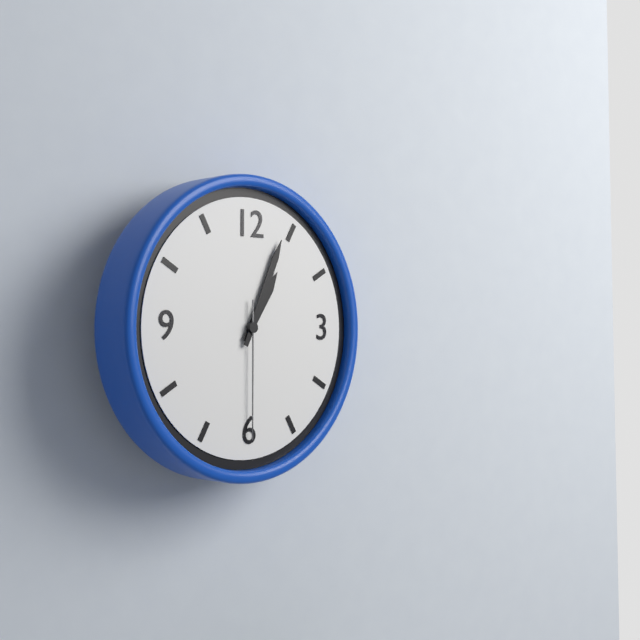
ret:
1:04:30
